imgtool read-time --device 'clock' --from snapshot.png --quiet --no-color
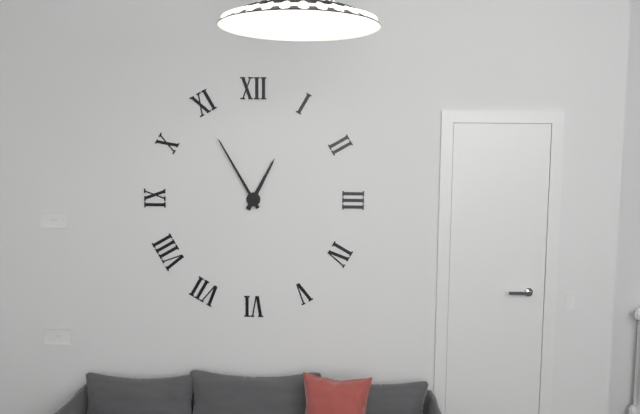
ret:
12:55
